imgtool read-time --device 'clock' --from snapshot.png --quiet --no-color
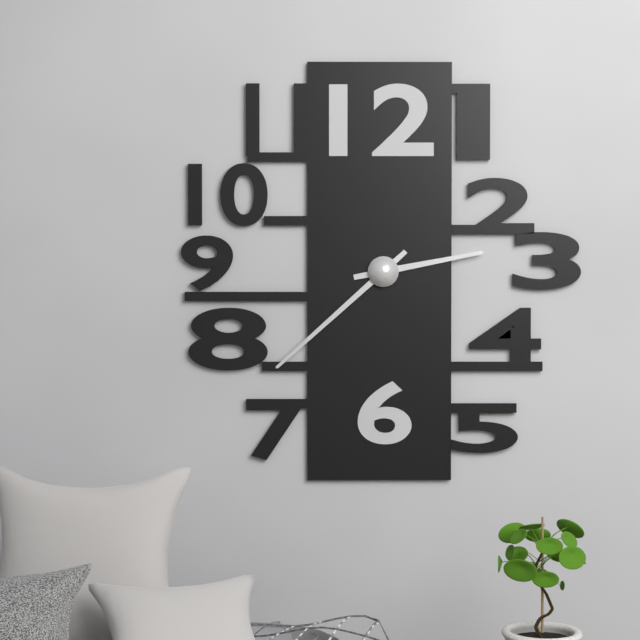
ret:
2:38
